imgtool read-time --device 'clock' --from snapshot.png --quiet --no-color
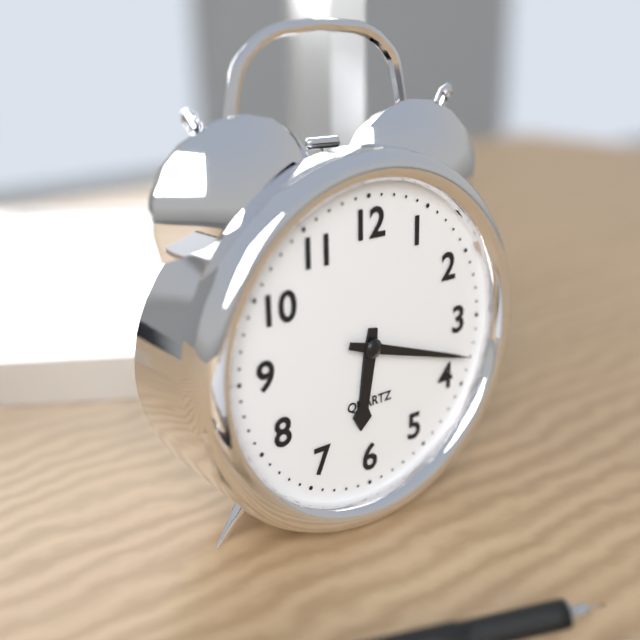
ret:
6:18
